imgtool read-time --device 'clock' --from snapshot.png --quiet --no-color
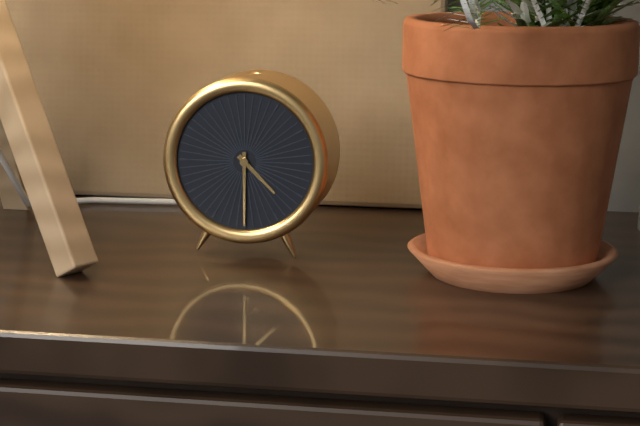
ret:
4:30
